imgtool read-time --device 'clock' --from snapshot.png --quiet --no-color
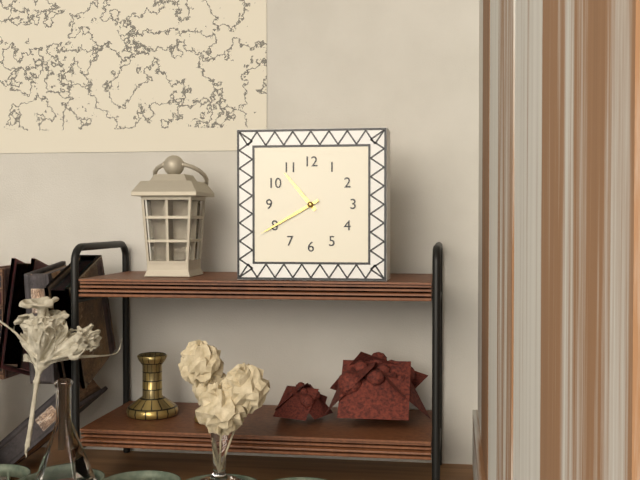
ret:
10:40
